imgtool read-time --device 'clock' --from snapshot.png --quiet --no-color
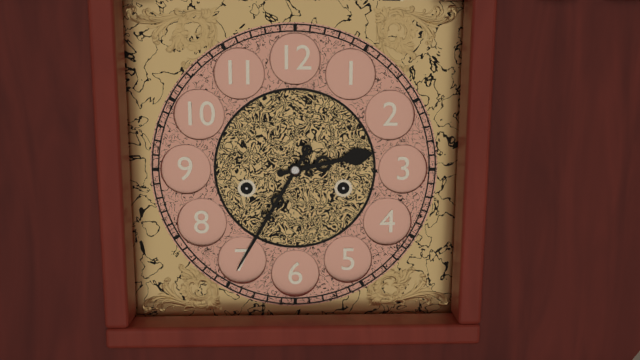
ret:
2:35
